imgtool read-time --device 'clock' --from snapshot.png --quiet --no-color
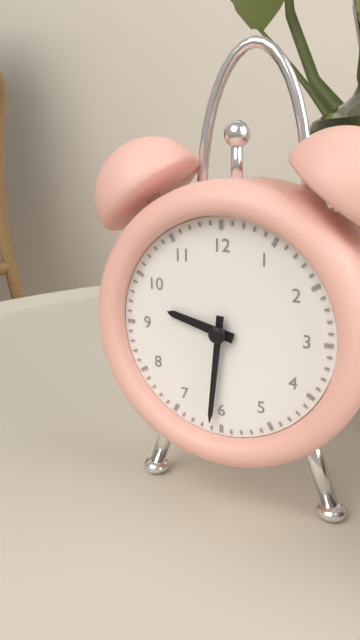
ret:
9:31
